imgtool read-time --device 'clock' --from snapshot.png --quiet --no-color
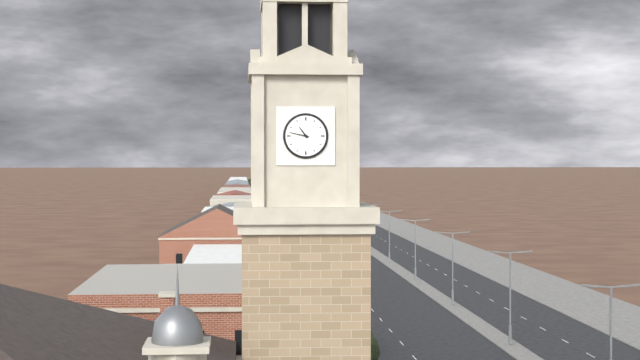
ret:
10:47
